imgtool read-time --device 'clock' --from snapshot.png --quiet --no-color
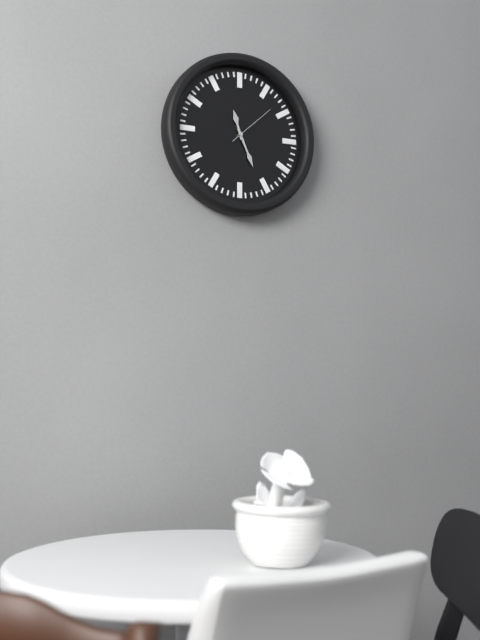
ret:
11:26
